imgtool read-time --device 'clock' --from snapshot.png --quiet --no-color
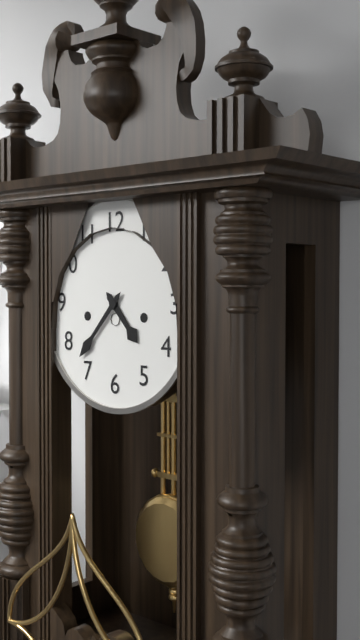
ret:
4:37
